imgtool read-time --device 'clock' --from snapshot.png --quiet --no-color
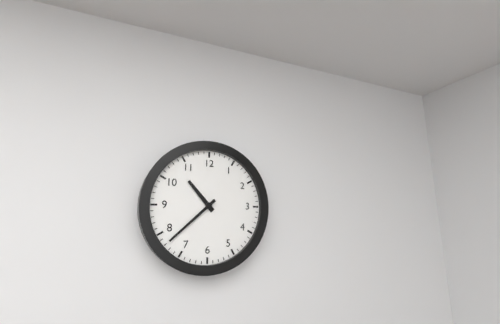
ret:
10:38
